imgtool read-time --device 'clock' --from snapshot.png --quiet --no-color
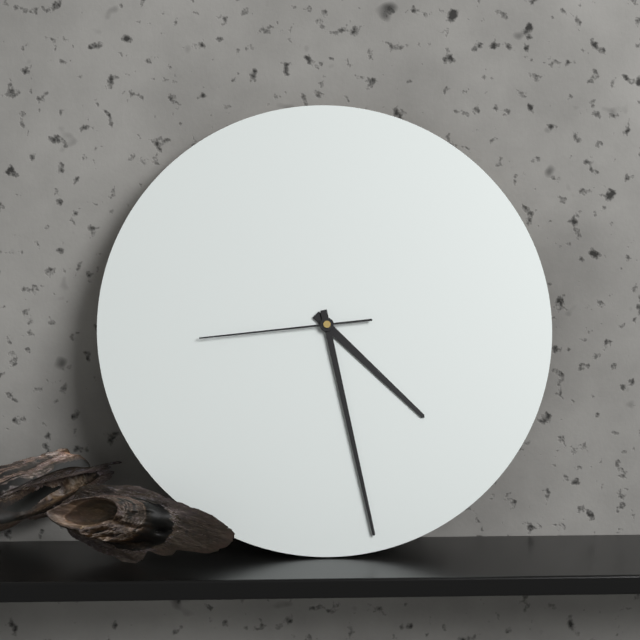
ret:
4:28:44
